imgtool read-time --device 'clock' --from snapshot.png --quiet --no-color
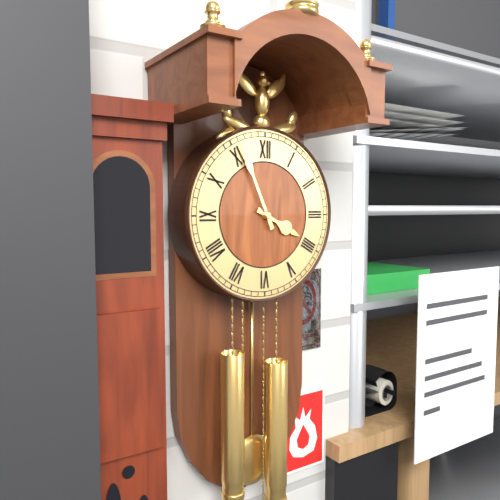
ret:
3:56
